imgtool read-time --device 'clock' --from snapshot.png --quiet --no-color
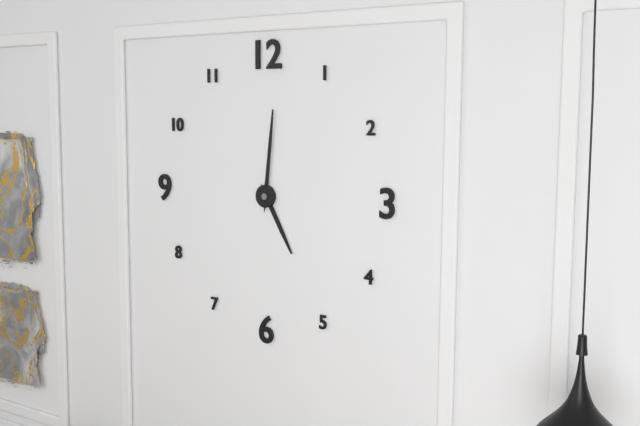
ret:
5:01
